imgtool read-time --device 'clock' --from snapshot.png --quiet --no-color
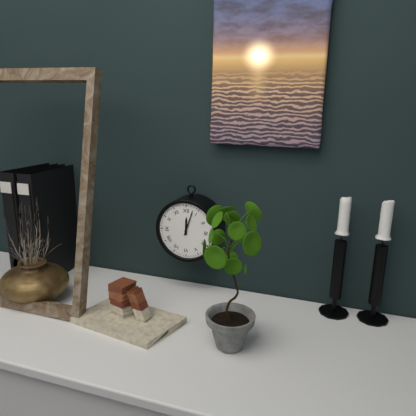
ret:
12:03
